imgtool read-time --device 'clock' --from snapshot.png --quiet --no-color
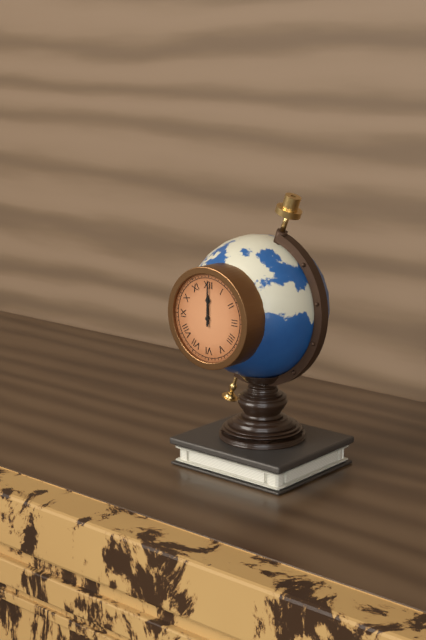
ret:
12:00
